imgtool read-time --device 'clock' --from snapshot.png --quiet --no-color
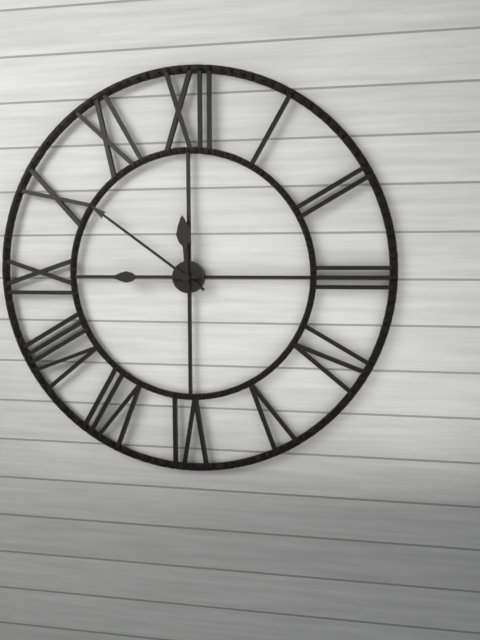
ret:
11:51:45
